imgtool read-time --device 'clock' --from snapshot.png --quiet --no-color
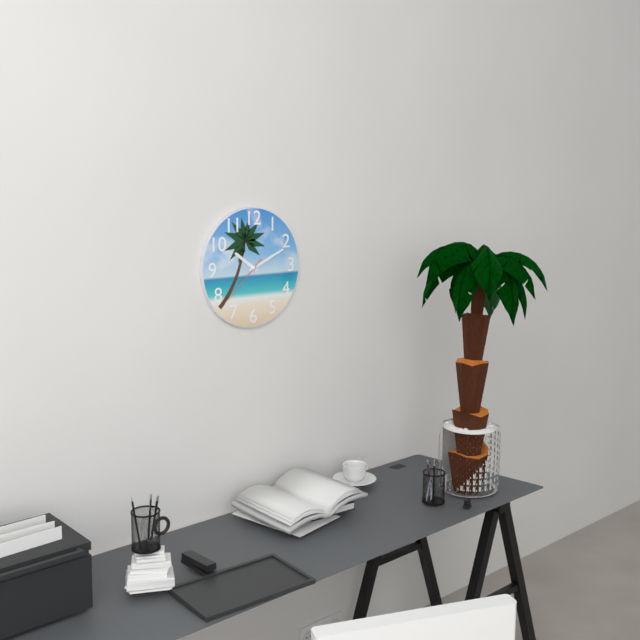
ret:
10:11:38
